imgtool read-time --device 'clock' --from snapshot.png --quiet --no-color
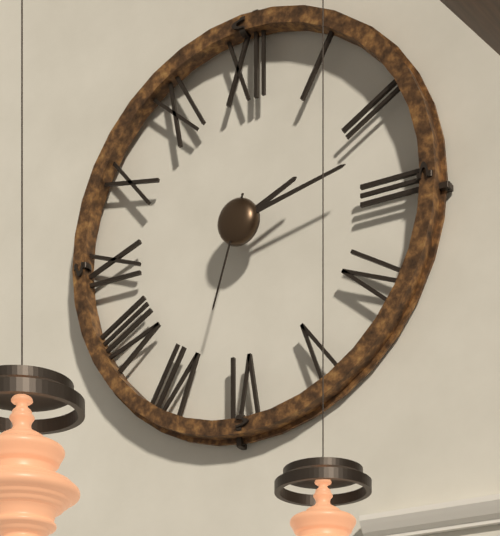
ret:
2:13:33
